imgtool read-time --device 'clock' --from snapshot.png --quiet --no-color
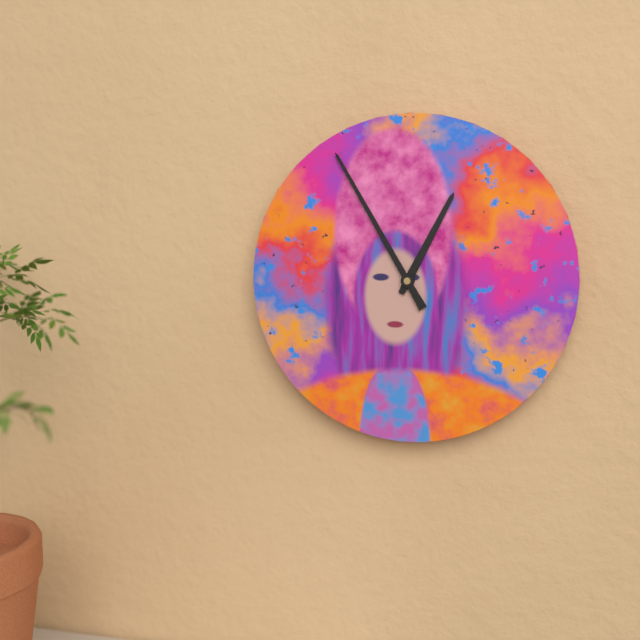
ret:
12:55
